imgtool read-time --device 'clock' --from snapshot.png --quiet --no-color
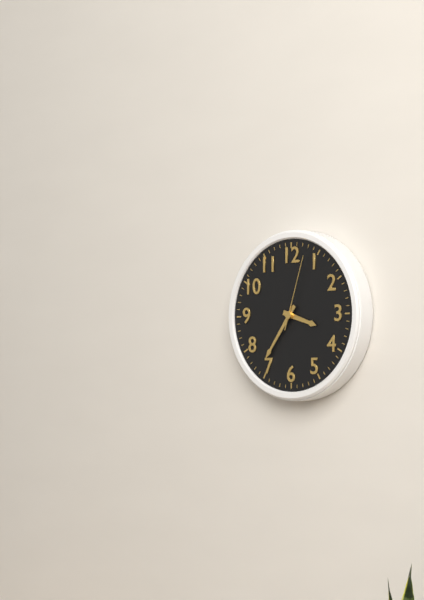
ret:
3:36:03
